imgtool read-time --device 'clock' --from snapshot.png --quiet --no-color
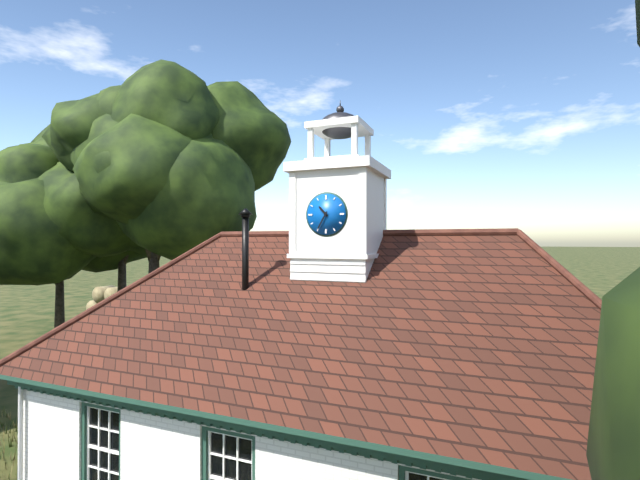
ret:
10:35
